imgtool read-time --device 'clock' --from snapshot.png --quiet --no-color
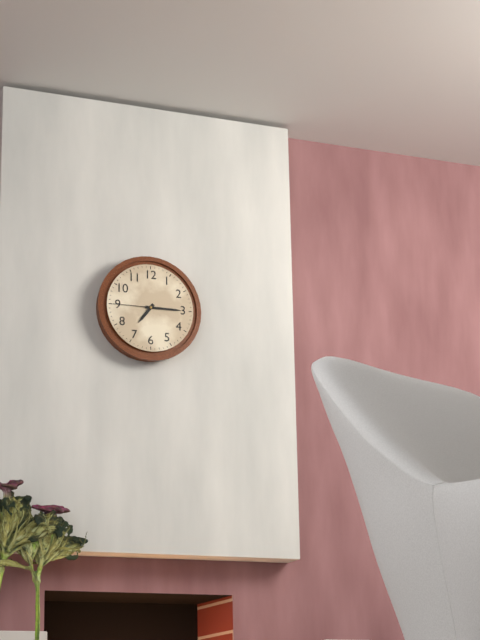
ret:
7:15
